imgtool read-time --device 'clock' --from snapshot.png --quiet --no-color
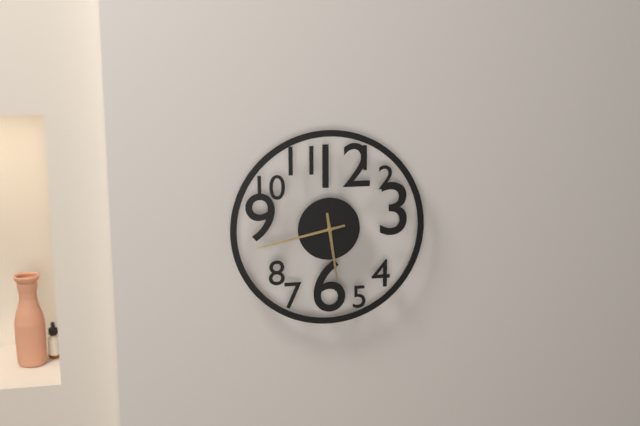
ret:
5:43
